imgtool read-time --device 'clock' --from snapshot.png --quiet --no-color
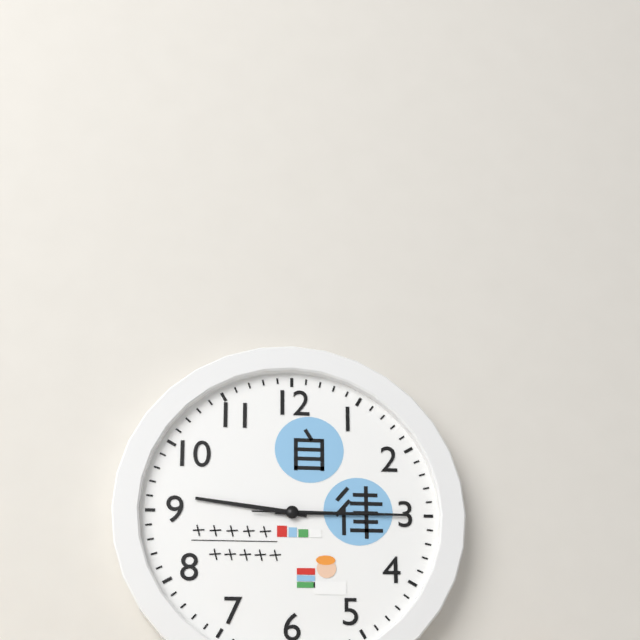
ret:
9:15:15
